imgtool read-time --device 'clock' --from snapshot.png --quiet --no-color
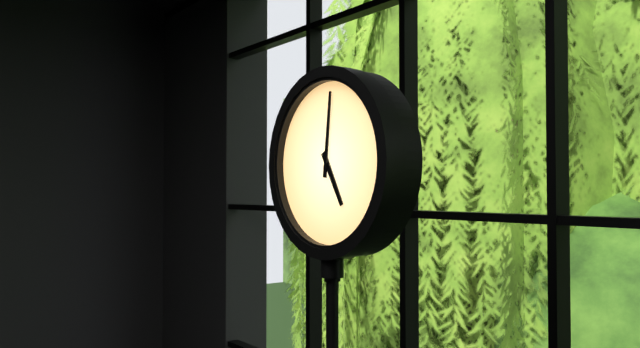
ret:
5:01
